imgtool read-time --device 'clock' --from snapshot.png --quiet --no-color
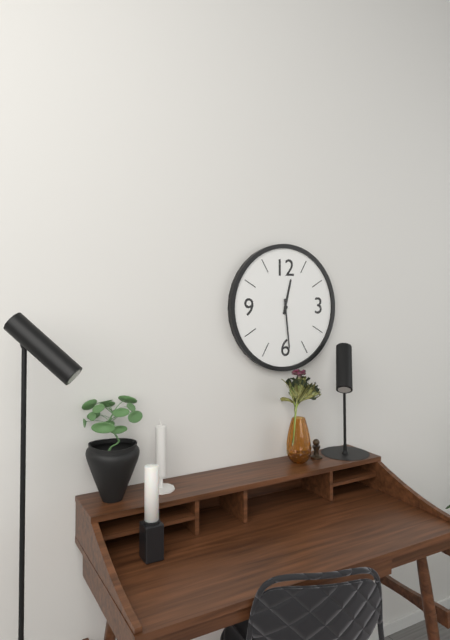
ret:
12:29
